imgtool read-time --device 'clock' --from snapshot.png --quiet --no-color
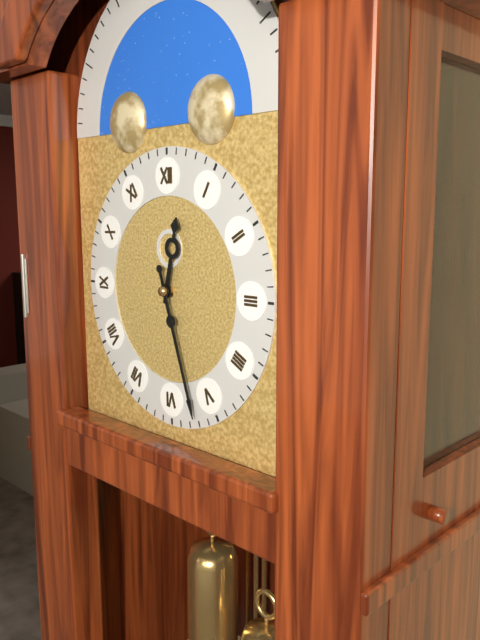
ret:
12:27
